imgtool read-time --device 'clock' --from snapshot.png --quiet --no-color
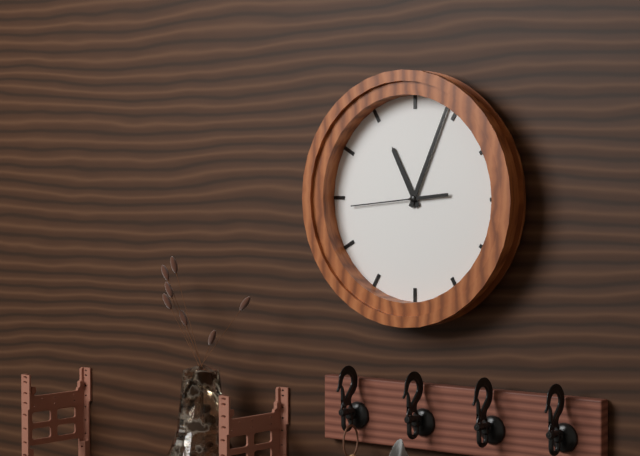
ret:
11:04:44
